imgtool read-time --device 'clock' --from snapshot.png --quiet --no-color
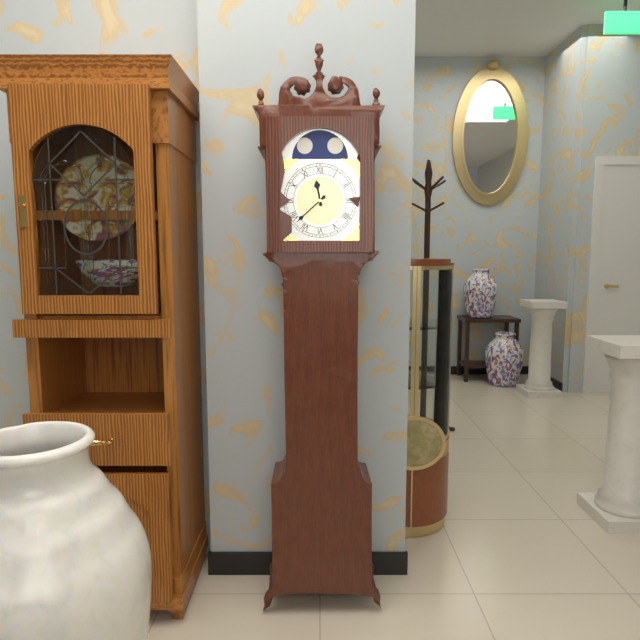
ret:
11:38
